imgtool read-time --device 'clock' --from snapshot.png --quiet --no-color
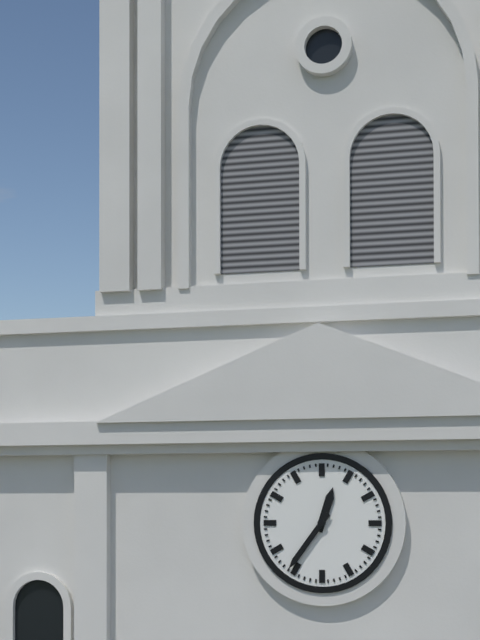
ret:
12:36
